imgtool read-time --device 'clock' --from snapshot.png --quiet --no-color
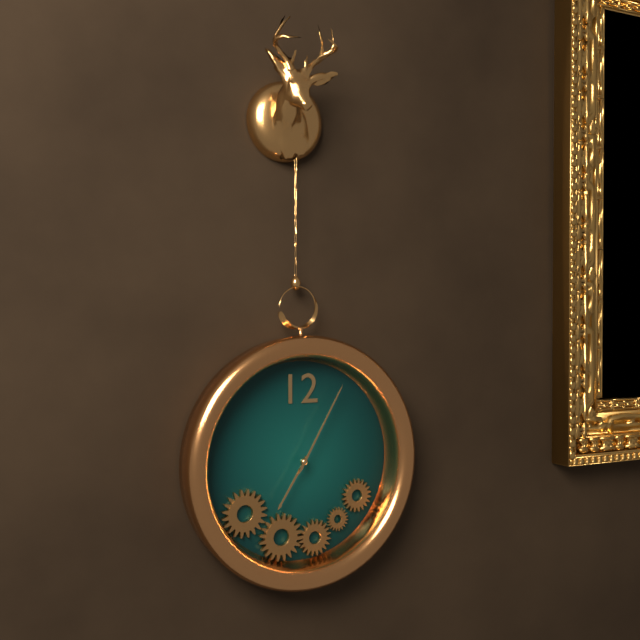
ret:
7:05
